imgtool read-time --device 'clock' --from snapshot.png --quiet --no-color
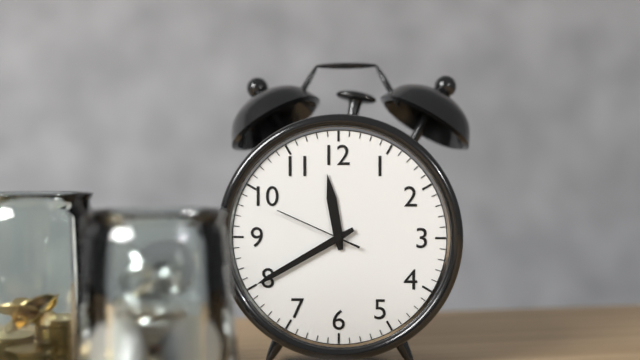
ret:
11:40:49
